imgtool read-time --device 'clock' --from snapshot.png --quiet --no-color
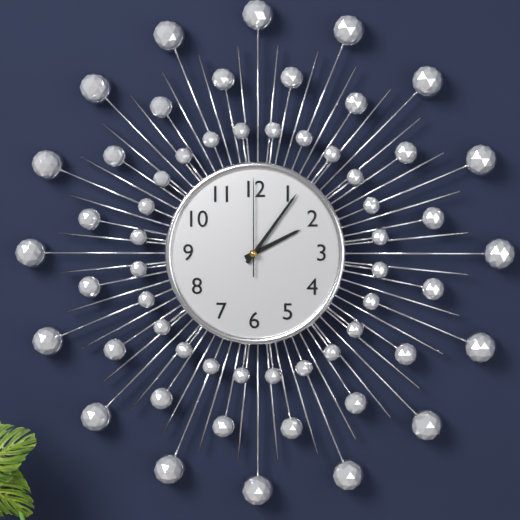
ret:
2:06:00
